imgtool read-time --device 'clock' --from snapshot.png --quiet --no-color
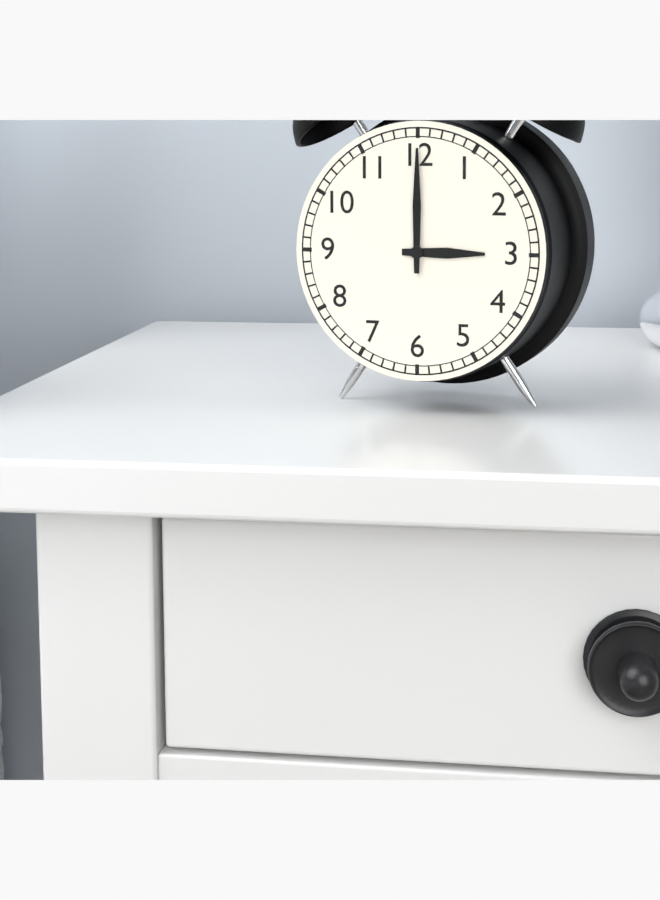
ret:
3:00
